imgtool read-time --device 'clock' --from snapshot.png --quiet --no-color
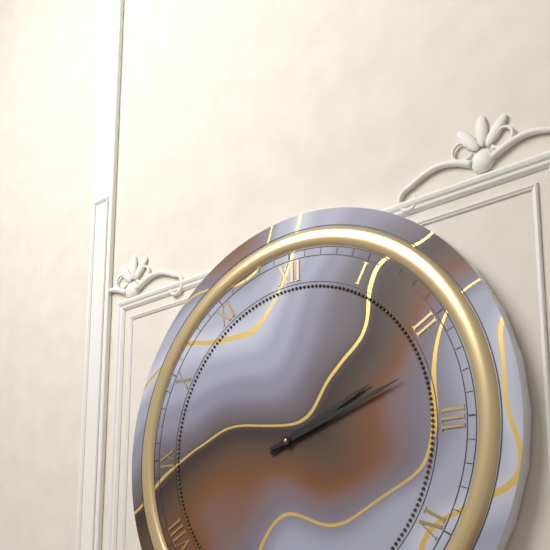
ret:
2:12
